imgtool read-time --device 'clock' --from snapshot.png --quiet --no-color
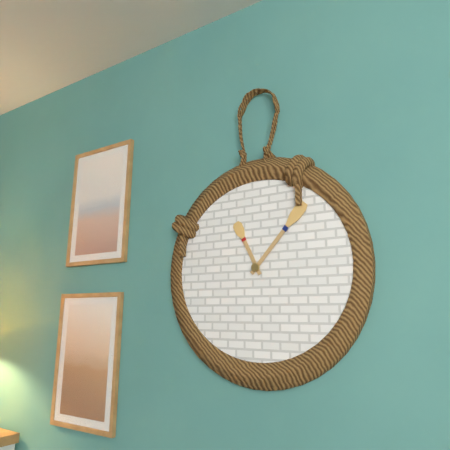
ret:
11:07
